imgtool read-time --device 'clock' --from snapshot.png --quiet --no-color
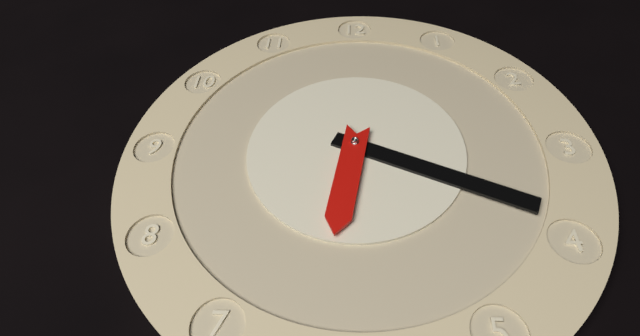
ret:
6:19
